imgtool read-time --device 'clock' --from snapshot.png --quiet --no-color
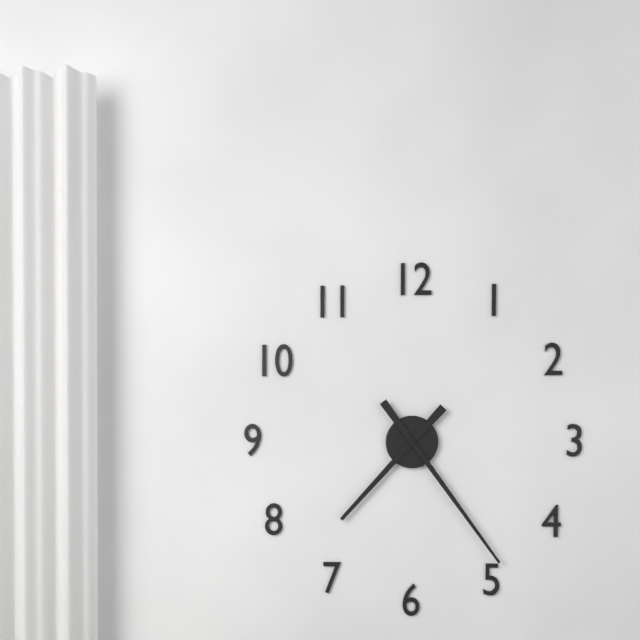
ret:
7:24
